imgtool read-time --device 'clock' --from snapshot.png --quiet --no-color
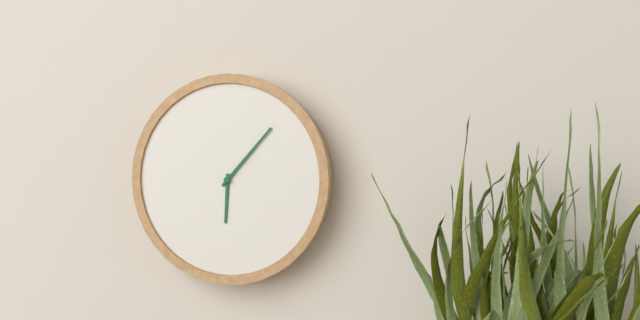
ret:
6:07
